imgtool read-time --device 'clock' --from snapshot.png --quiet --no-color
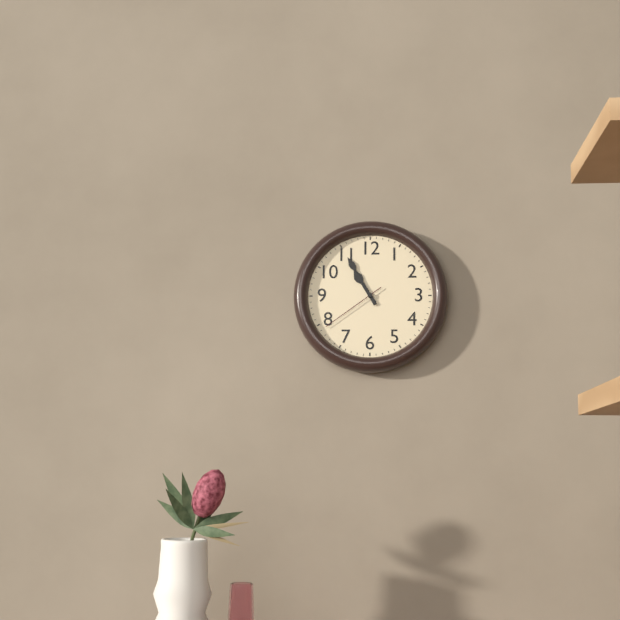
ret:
10:55:39
